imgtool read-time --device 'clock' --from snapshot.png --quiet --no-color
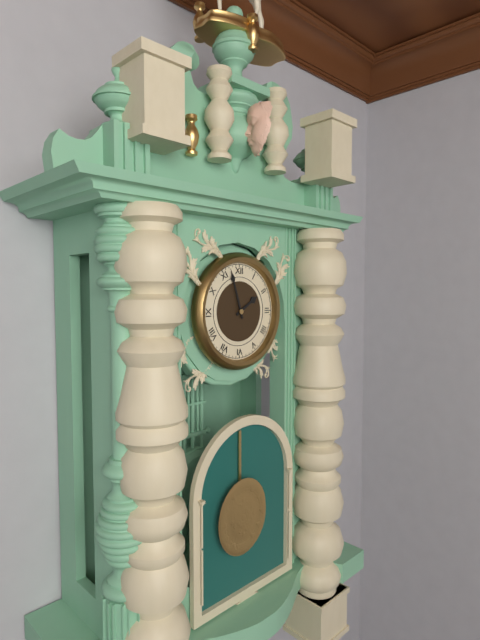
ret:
1:57
